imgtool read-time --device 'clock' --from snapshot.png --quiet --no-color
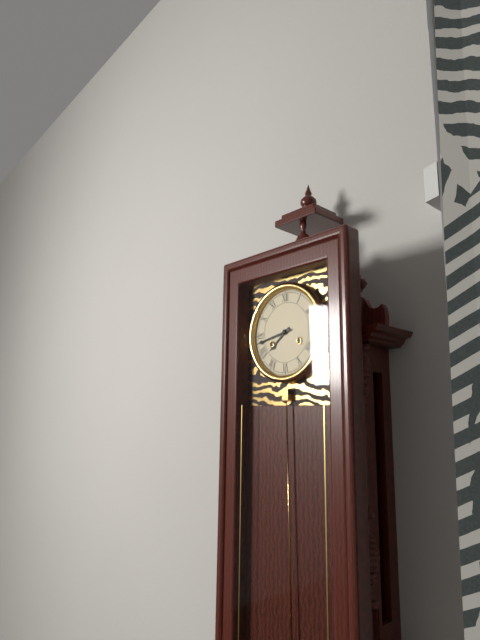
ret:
7:43
